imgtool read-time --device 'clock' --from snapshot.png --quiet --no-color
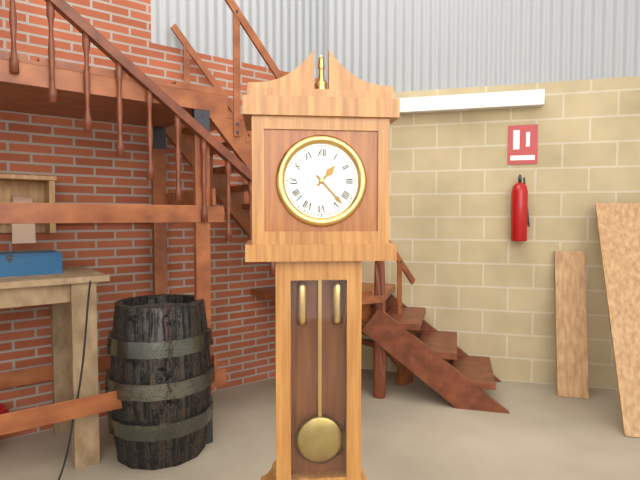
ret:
1:23
